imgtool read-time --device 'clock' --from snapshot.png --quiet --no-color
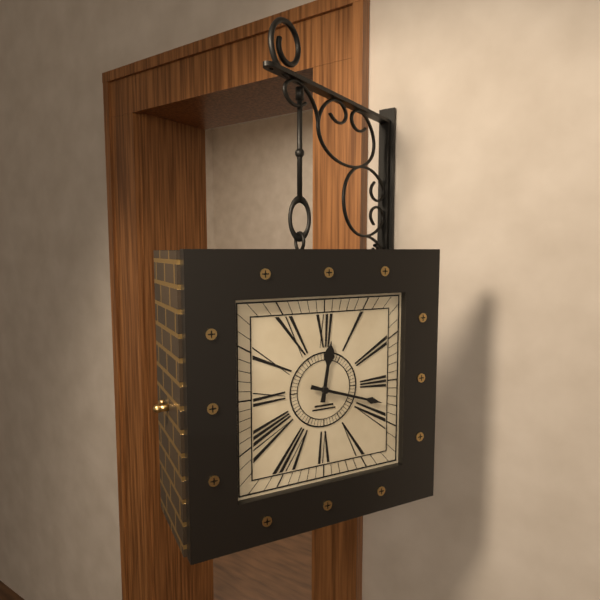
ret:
12:18
